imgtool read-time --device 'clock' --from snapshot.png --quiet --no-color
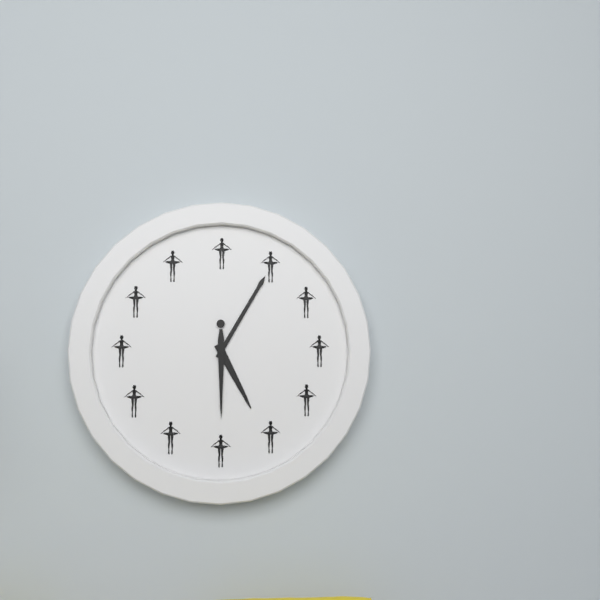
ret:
5:05
